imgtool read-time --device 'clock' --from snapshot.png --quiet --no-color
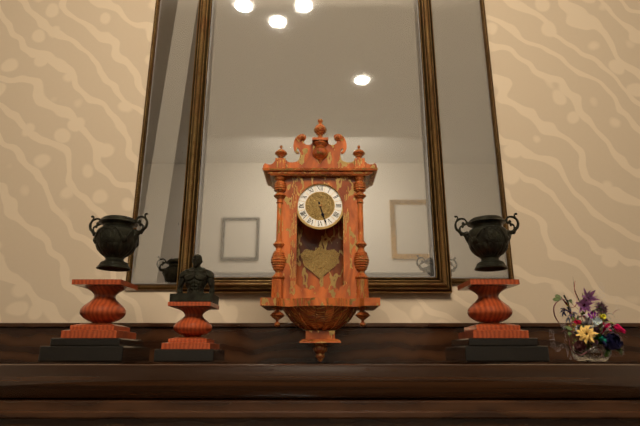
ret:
5:27
